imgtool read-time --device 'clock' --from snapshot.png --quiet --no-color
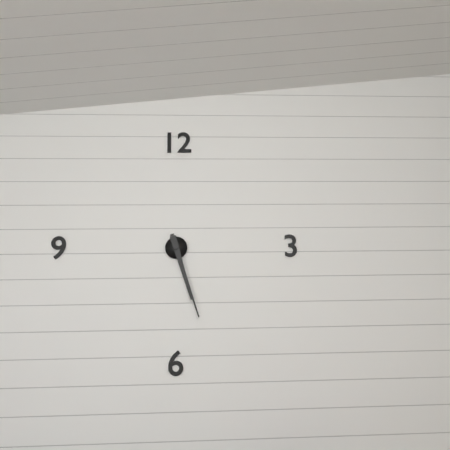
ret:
5:27
